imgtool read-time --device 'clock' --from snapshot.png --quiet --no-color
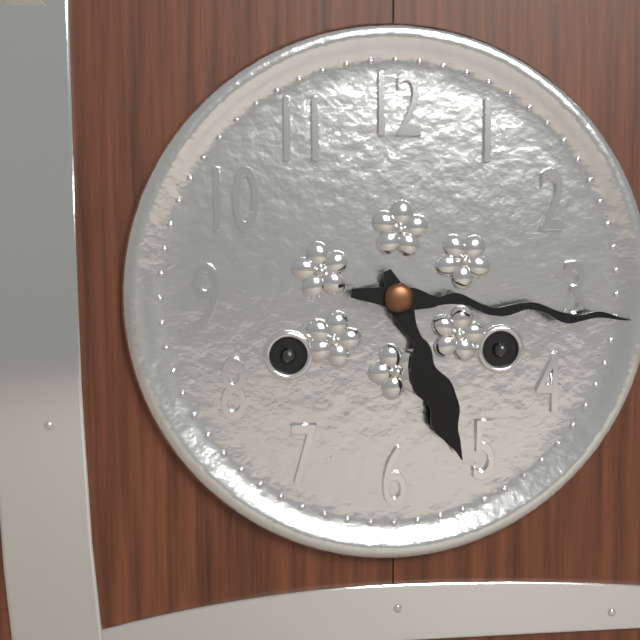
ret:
5:16
